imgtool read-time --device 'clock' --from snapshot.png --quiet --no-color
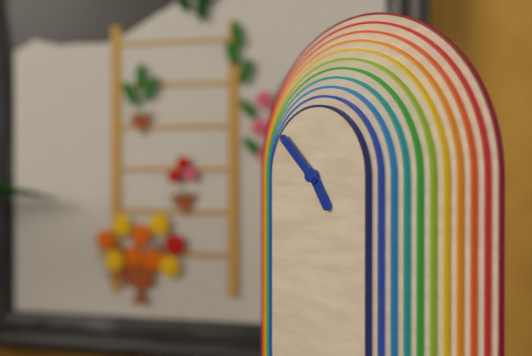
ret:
4:52
